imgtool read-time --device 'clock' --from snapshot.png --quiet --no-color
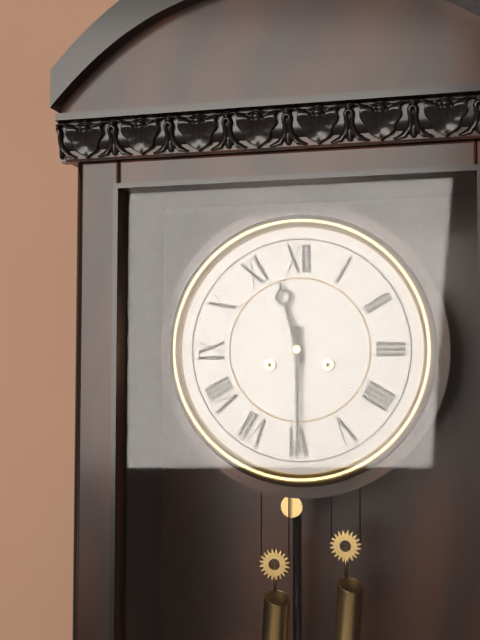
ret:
11:30
